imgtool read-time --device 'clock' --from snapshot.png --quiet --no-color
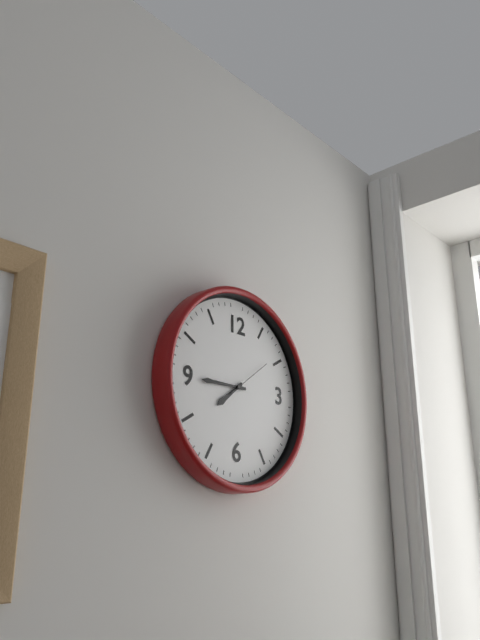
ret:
7:45
